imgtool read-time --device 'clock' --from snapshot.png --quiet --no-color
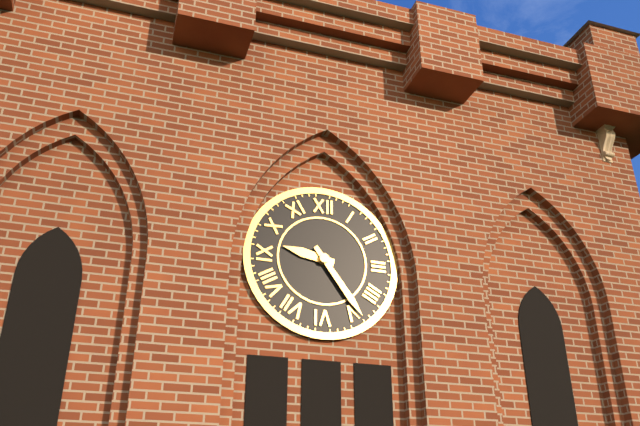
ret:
9:24
